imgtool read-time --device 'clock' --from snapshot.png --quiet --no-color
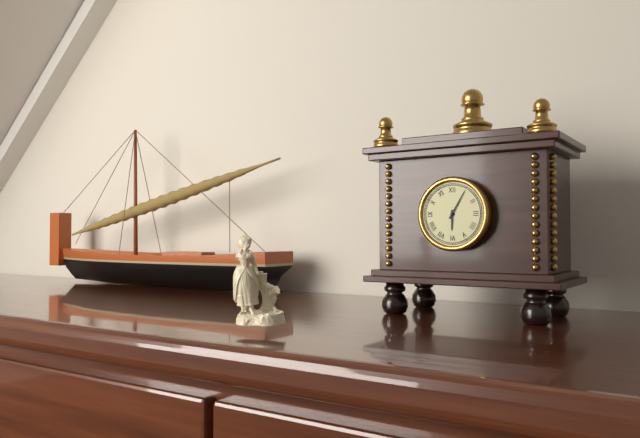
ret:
6:05
